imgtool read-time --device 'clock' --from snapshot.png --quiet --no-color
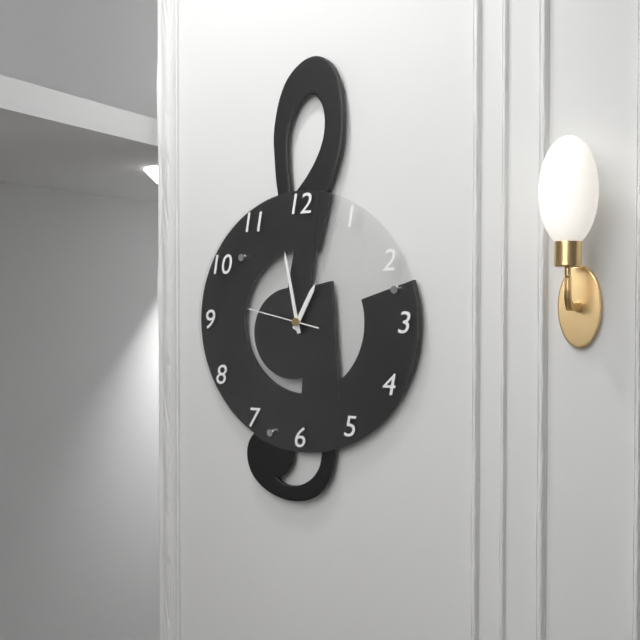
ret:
12:58:47
